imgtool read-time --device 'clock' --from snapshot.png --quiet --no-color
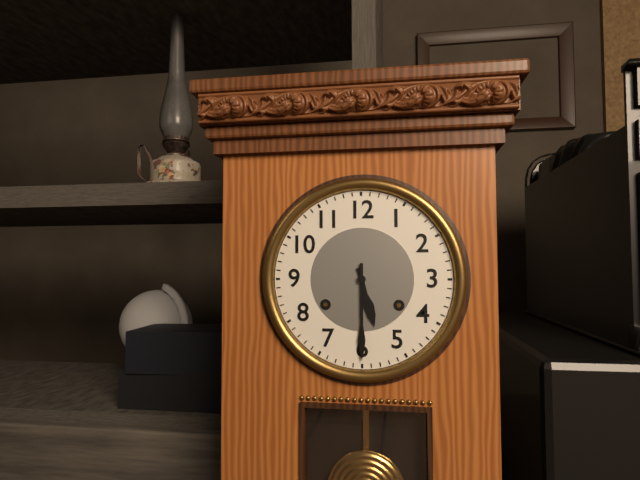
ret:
5:30
